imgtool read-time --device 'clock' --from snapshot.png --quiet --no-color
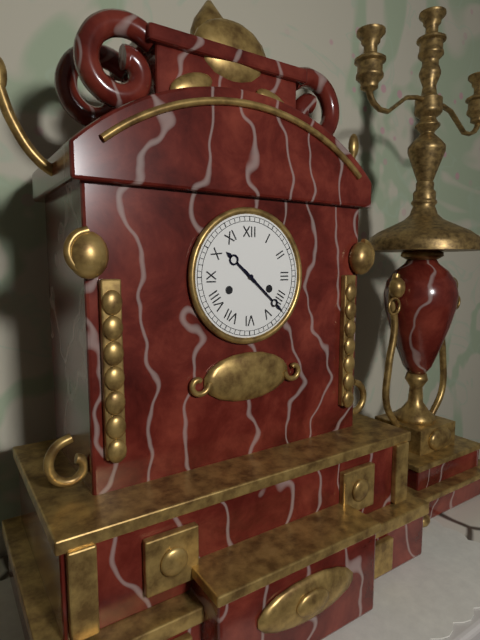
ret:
10:22
